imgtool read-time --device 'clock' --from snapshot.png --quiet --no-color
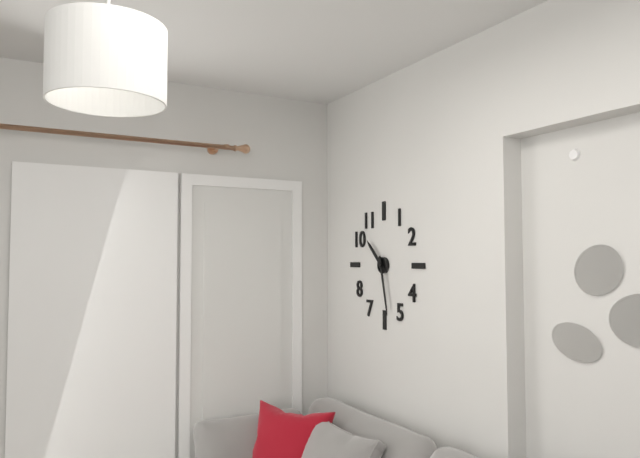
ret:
10:28
